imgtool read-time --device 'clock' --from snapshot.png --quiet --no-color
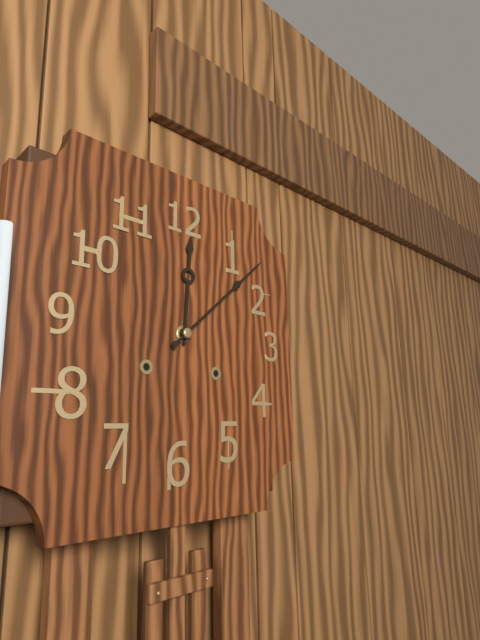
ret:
12:08
